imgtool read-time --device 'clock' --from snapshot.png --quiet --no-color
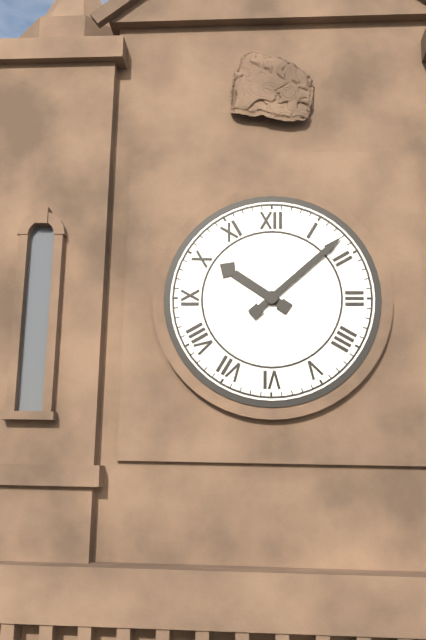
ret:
10:08
